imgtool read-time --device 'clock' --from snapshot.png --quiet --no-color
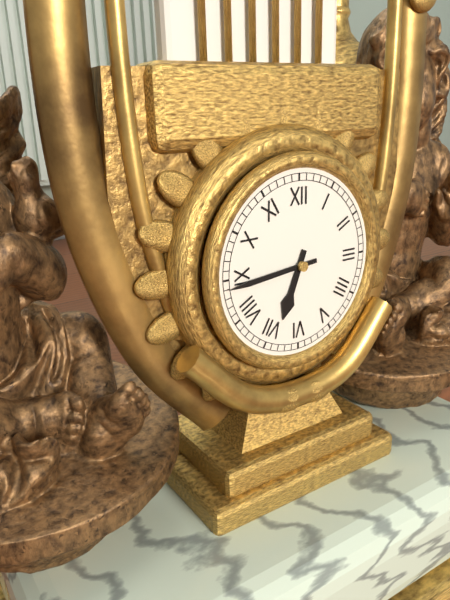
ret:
6:44
